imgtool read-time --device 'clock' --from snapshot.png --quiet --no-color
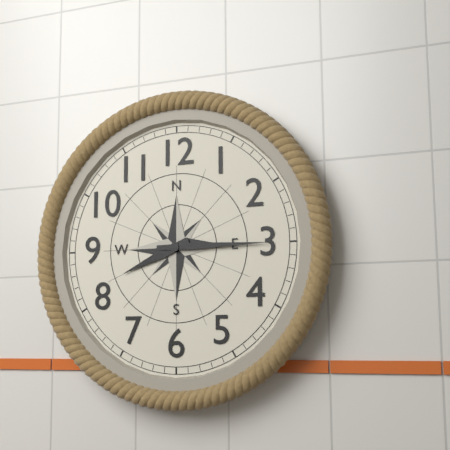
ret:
8:15
